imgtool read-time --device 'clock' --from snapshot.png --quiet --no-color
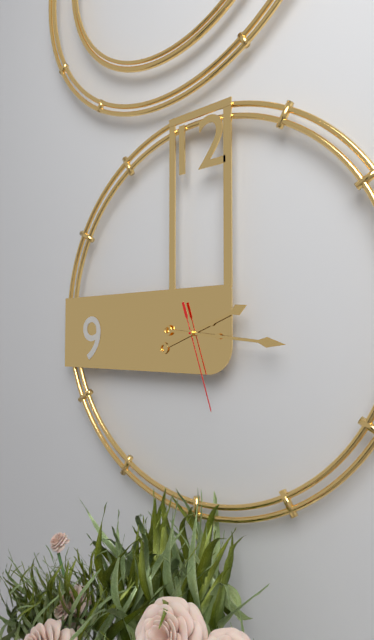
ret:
2:16:27
